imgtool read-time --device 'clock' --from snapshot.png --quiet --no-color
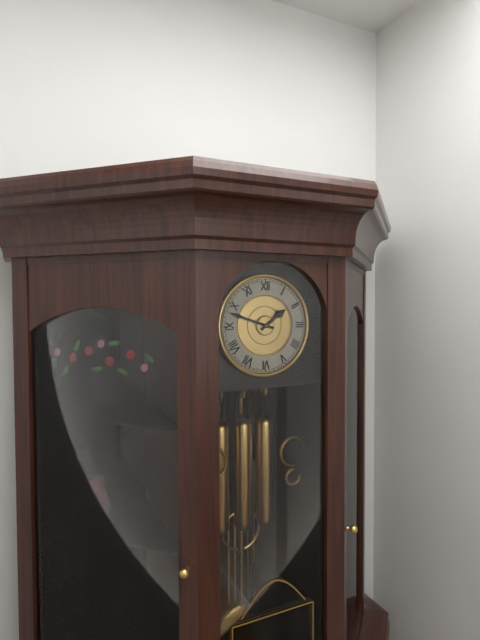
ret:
1:48
